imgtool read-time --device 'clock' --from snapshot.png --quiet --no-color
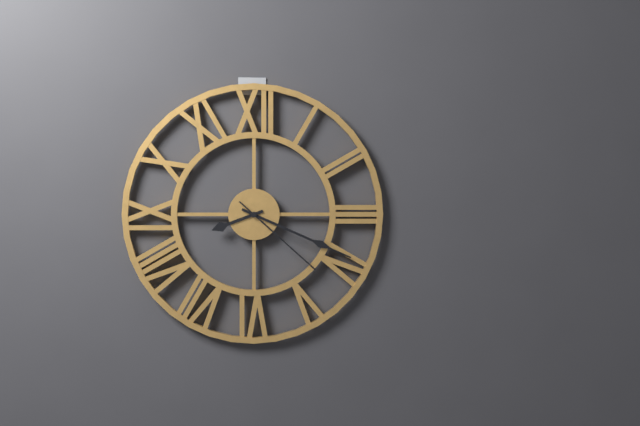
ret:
8:19:22
